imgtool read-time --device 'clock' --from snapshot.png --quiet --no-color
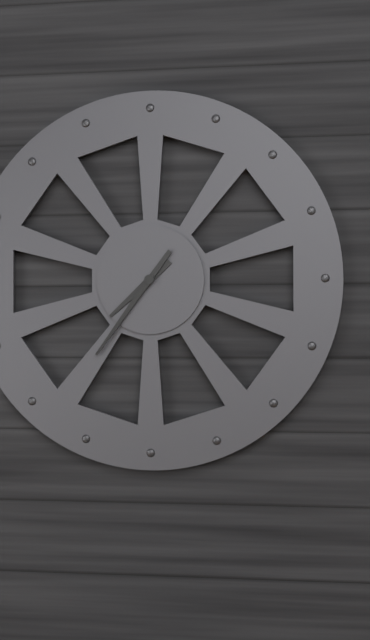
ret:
7:36
